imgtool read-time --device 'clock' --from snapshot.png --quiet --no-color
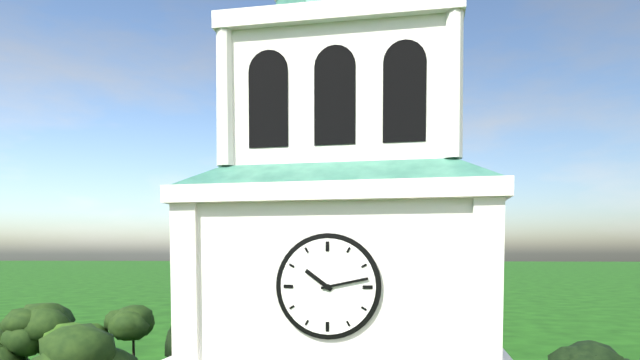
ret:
10:13
